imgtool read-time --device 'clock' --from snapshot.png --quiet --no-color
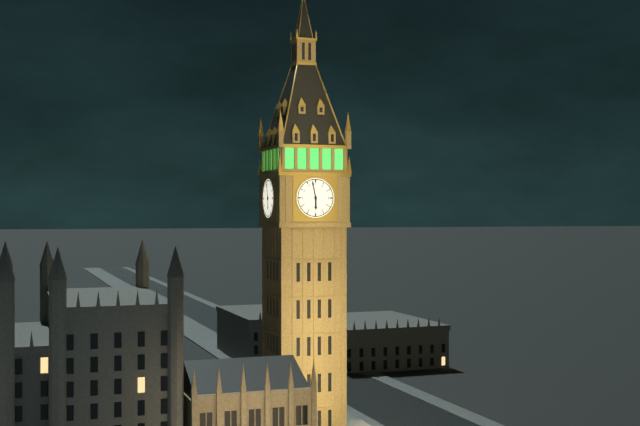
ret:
5:58
